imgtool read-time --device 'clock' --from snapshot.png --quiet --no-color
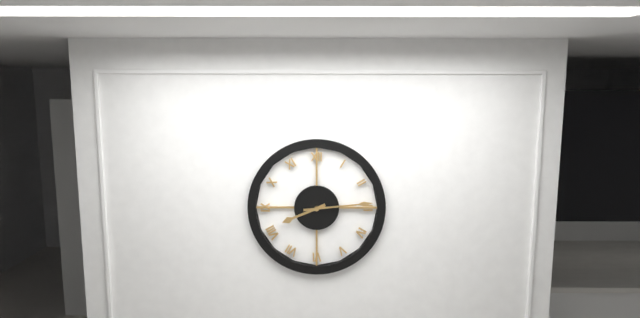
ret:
8:14
